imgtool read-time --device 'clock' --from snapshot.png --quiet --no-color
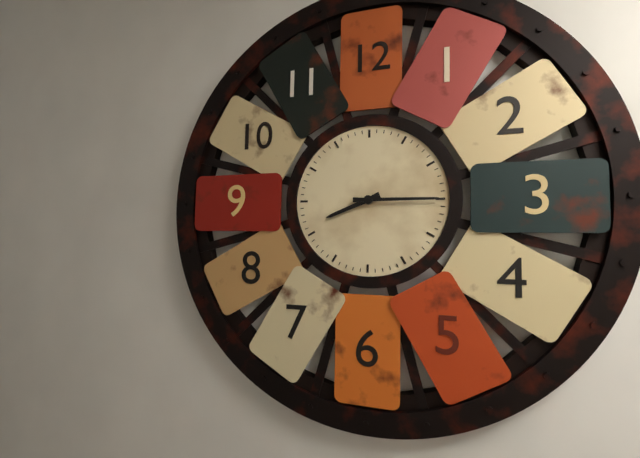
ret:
8:15
